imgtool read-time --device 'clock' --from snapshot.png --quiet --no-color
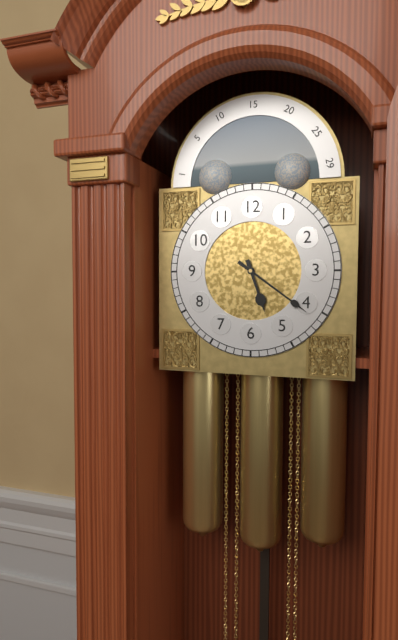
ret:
5:21
